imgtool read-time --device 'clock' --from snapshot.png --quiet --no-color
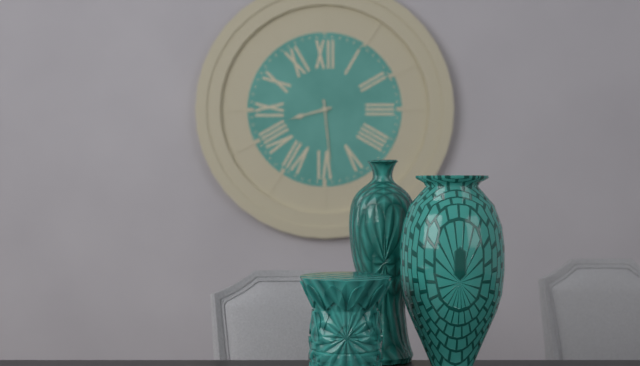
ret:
8:29
